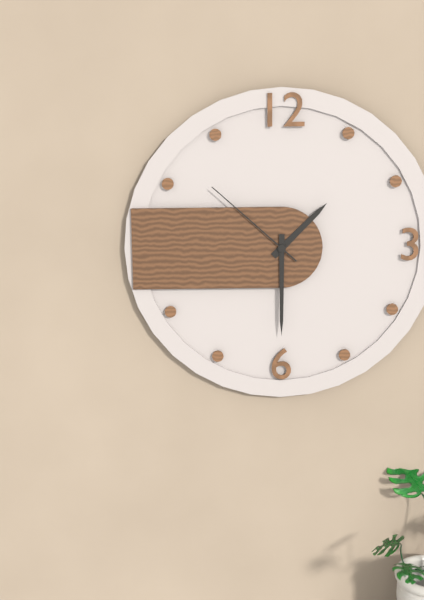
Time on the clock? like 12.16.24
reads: 1.30.52
